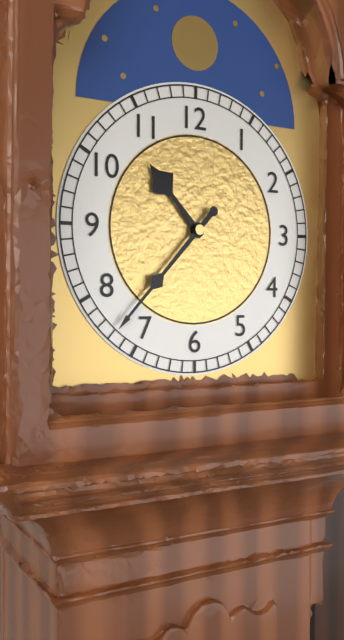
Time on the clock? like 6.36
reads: 10.37
